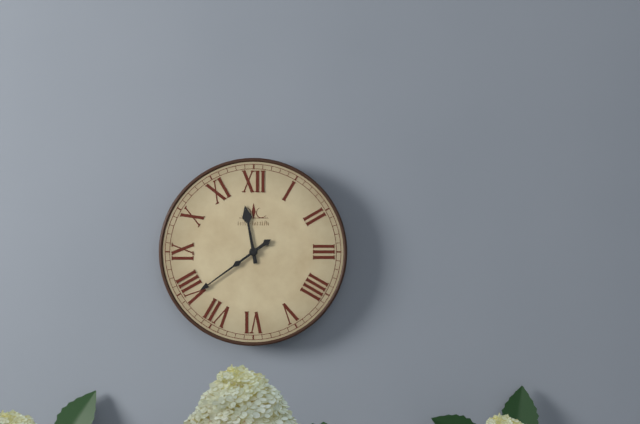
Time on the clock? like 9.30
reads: 11.39
